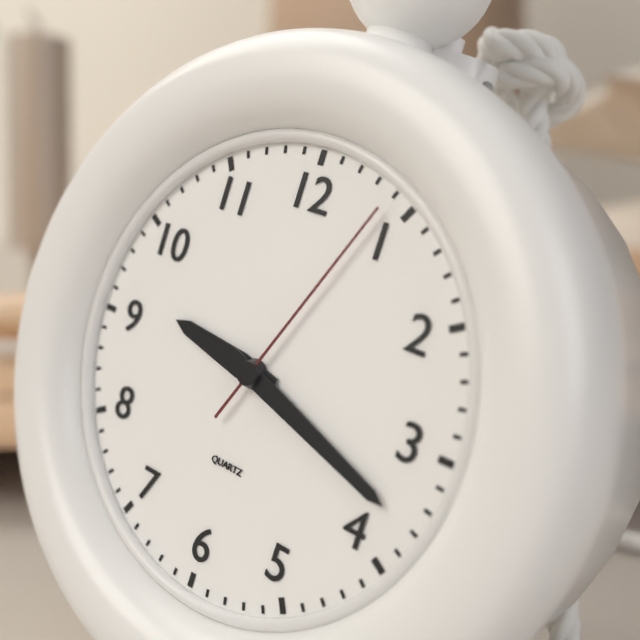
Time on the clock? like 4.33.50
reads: 9.18.04
